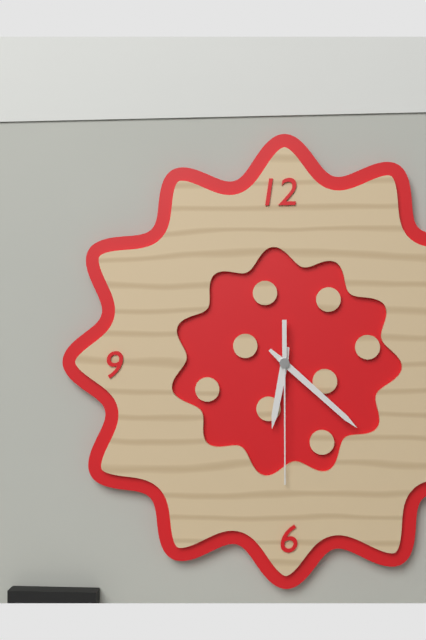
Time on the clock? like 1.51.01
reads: 6.22.30
